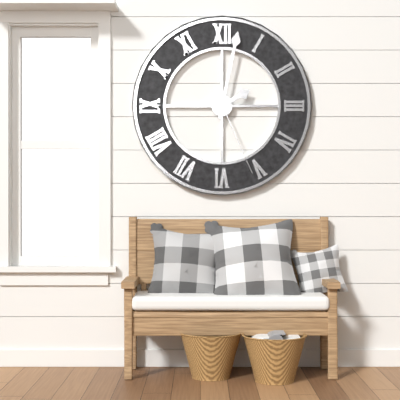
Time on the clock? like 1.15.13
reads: 2.02.26
